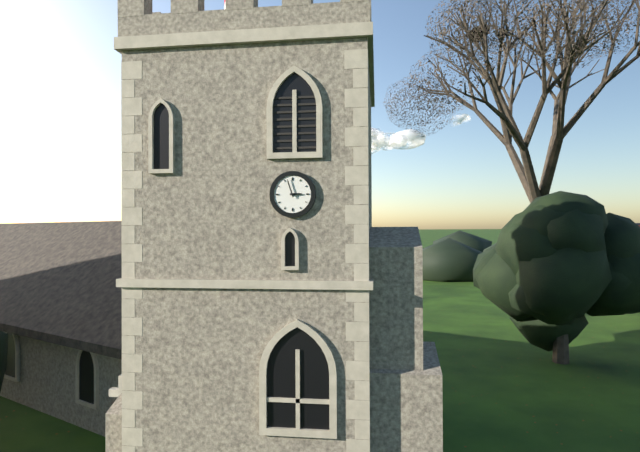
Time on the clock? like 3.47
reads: 2.57
